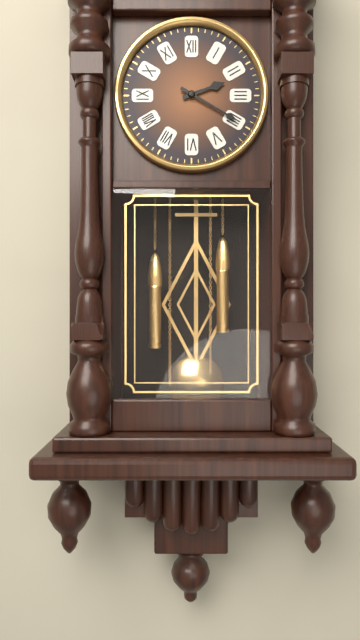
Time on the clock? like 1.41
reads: 2.20
